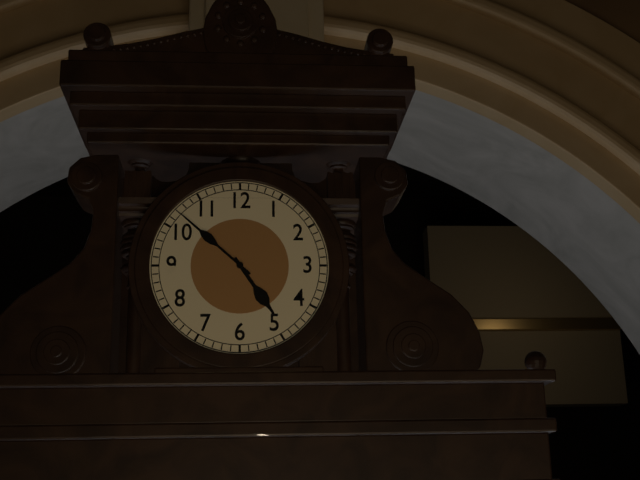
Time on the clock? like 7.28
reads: 4.52
